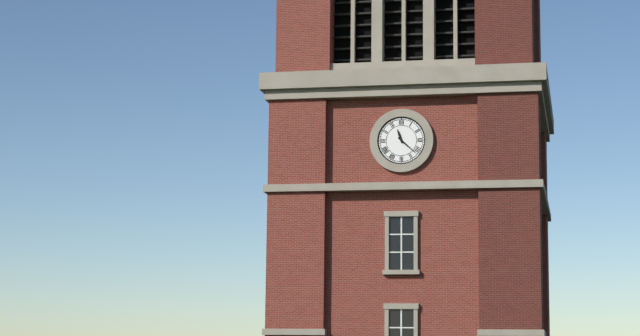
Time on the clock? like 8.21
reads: 11.22
